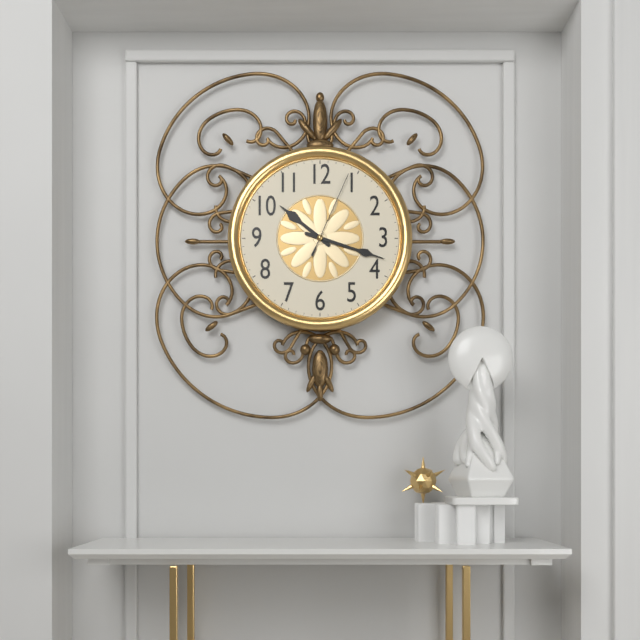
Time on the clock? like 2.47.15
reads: 10.18.04
